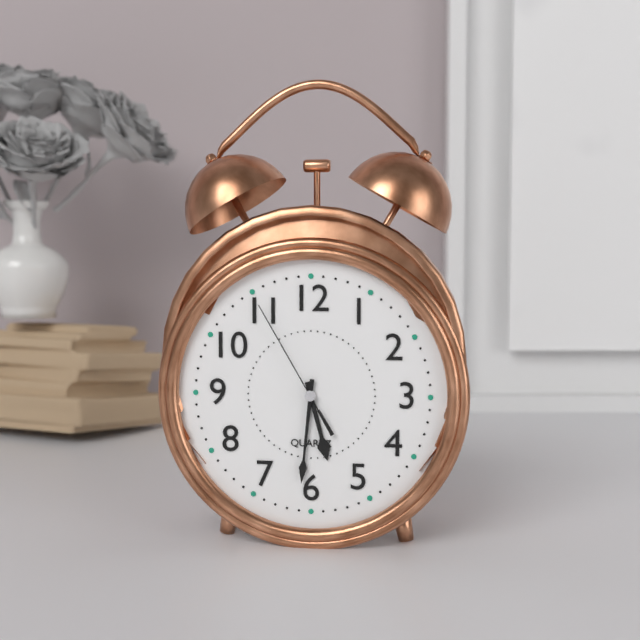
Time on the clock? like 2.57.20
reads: 5.31.55
